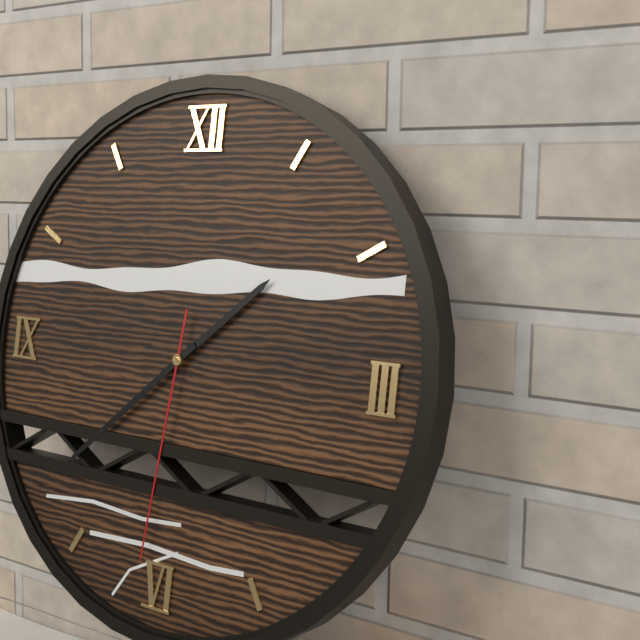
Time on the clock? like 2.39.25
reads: 1.38.31
